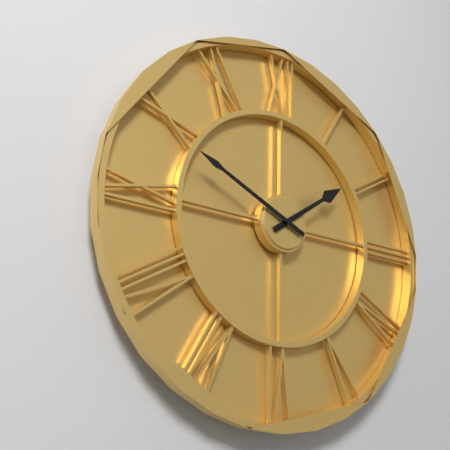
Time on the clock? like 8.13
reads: 1.49
